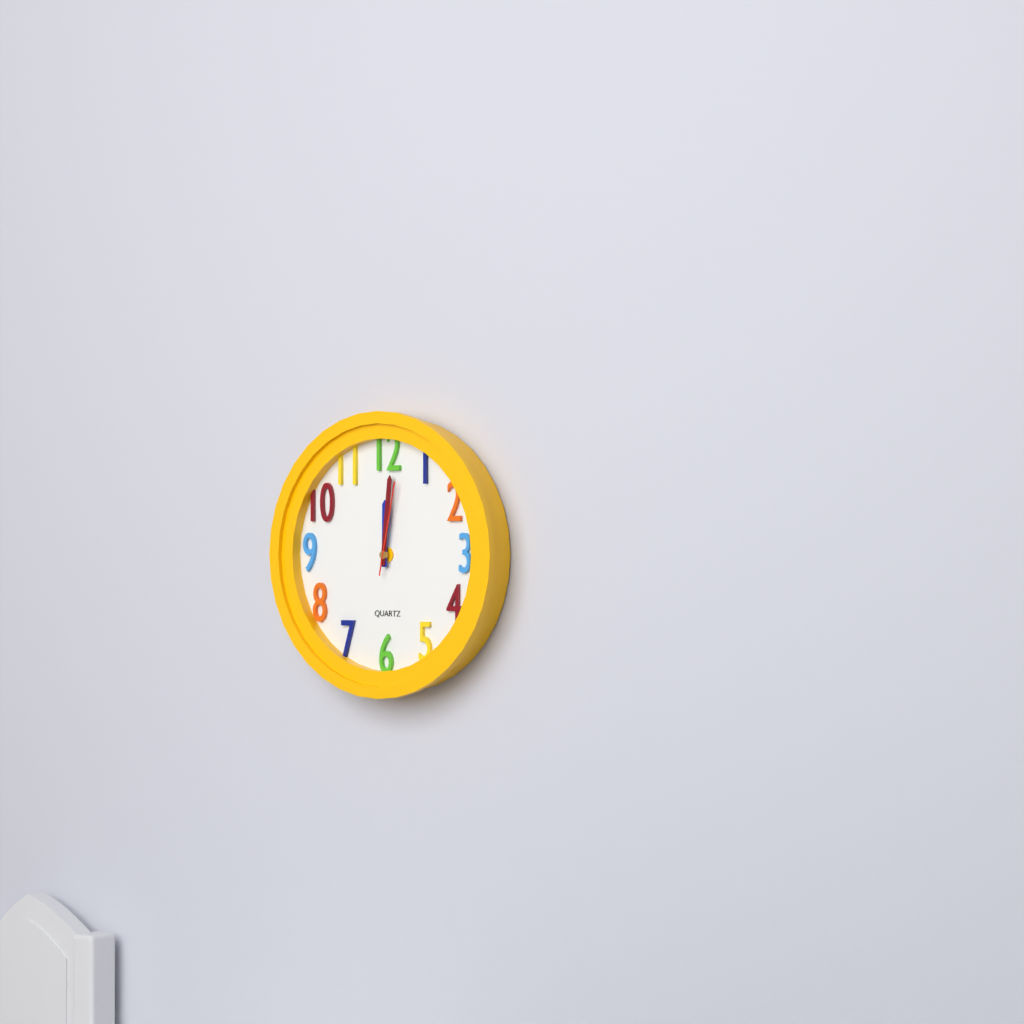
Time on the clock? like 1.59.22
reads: 12.01.02
